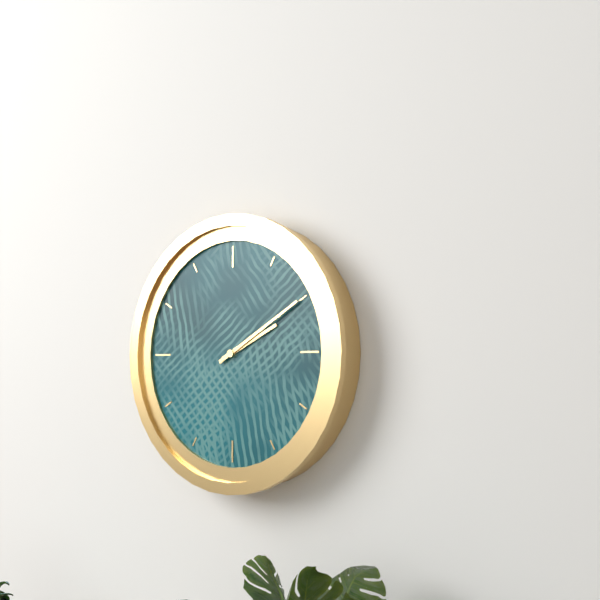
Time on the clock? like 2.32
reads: 2.10
